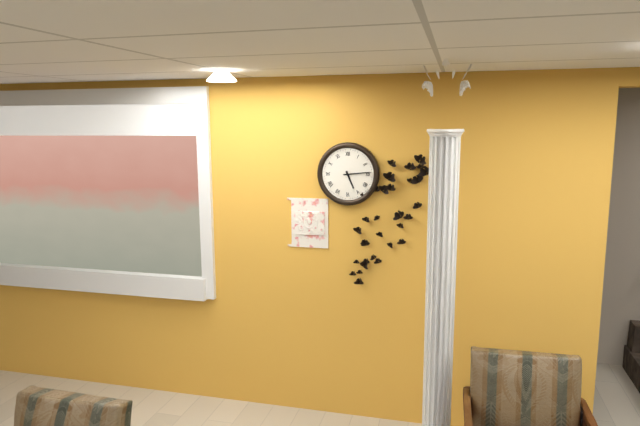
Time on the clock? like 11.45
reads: 5.14
